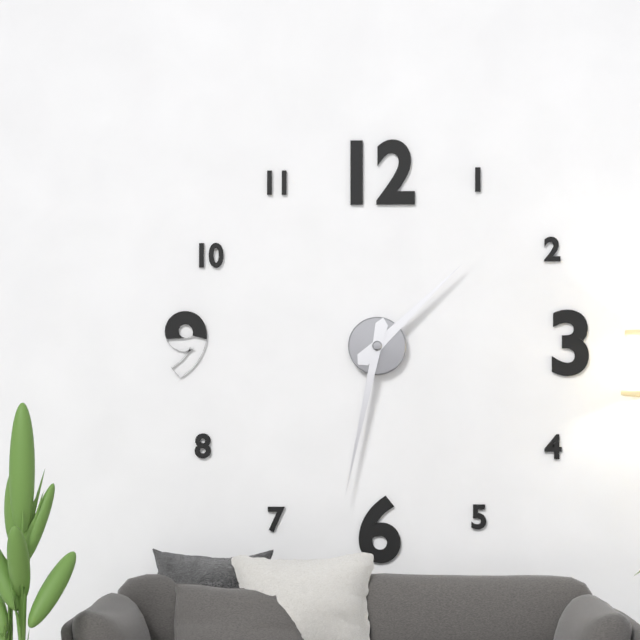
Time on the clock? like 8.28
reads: 1.32
